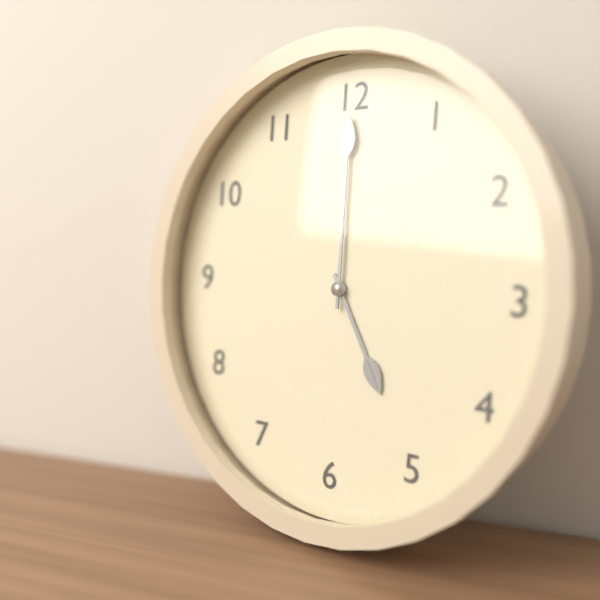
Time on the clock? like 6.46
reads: 5.00
